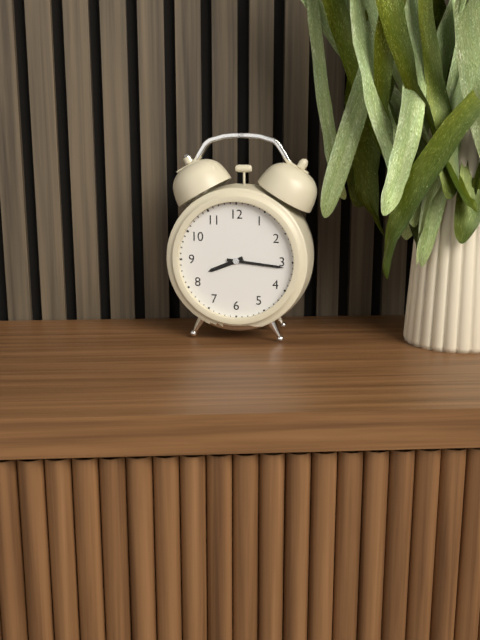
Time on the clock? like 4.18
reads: 8.16
